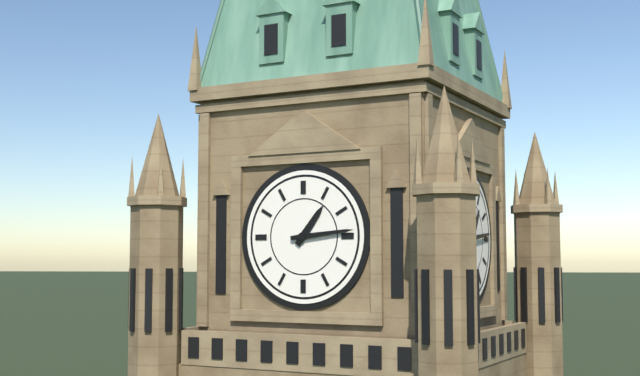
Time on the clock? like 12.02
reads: 1.14
